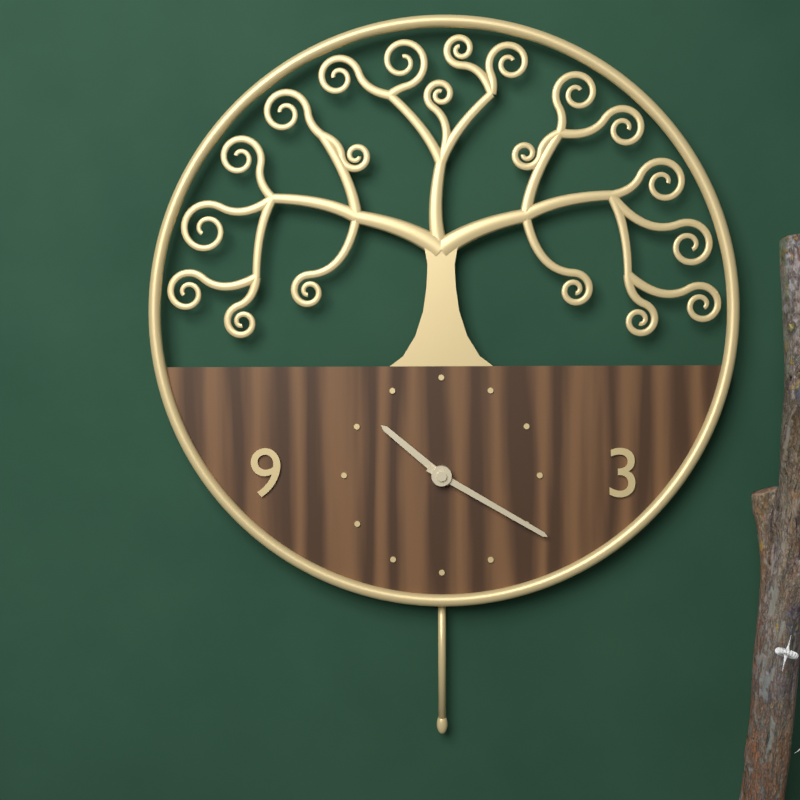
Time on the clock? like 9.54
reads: 10.20
